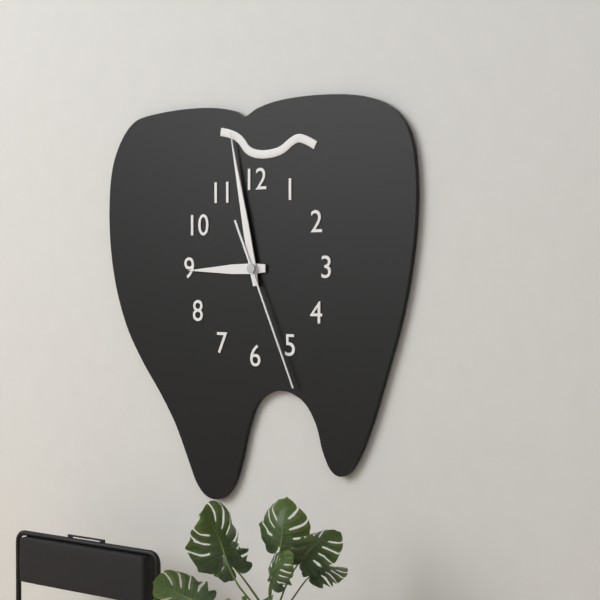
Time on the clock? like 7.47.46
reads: 8.58.26
